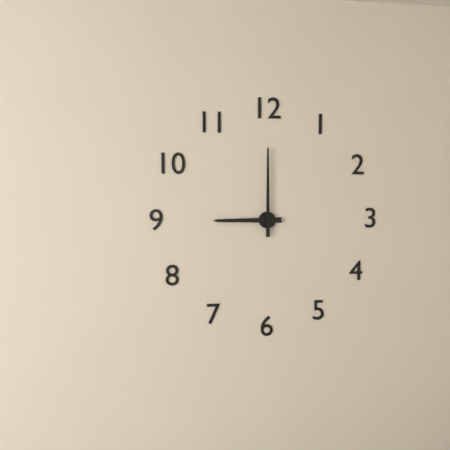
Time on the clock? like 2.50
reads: 9.00
